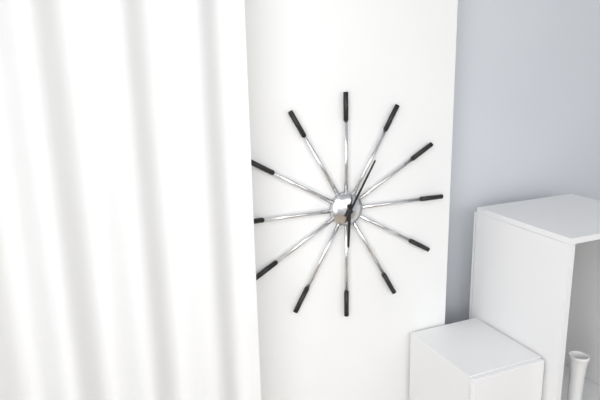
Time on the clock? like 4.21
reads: 6.05
